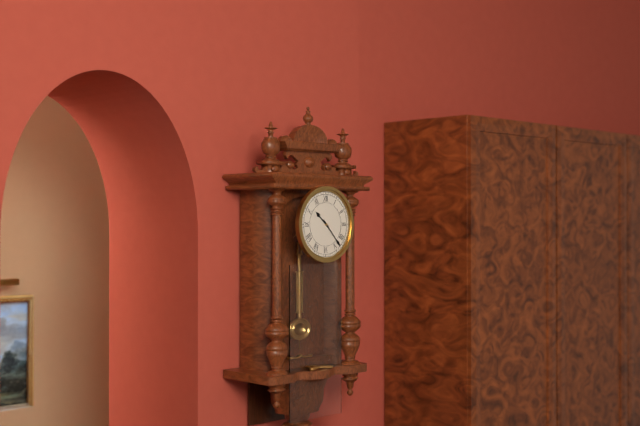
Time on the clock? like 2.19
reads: 10.23
